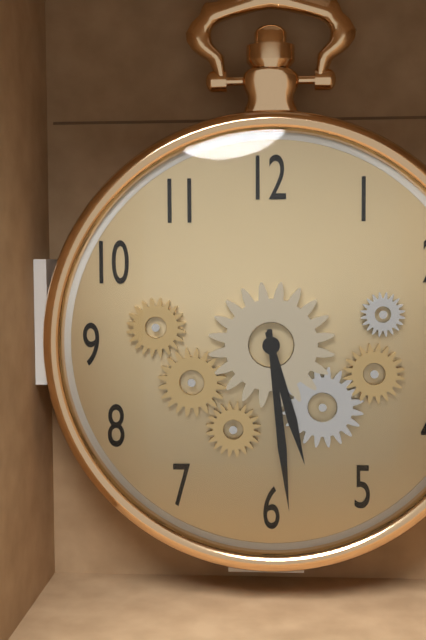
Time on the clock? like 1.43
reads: 5.29
